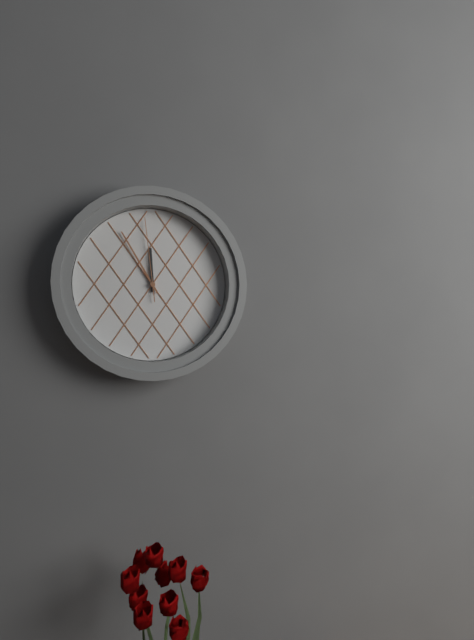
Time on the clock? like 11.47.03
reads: 11.55.59
